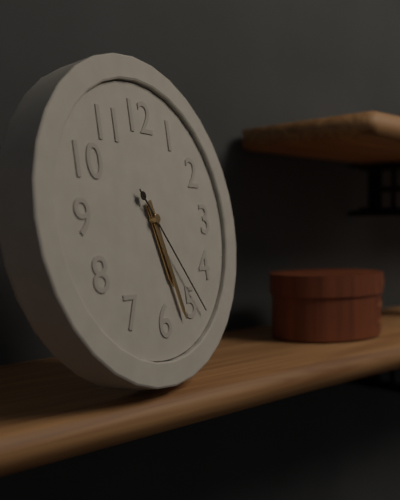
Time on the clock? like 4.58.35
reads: 5.27.24
